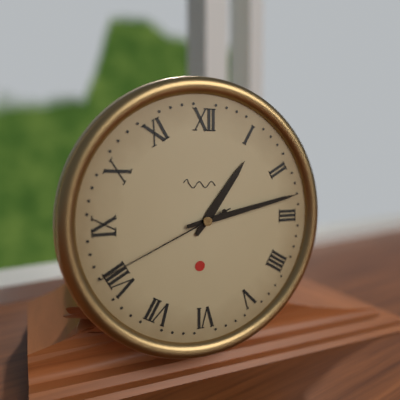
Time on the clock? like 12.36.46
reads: 1.13.41
